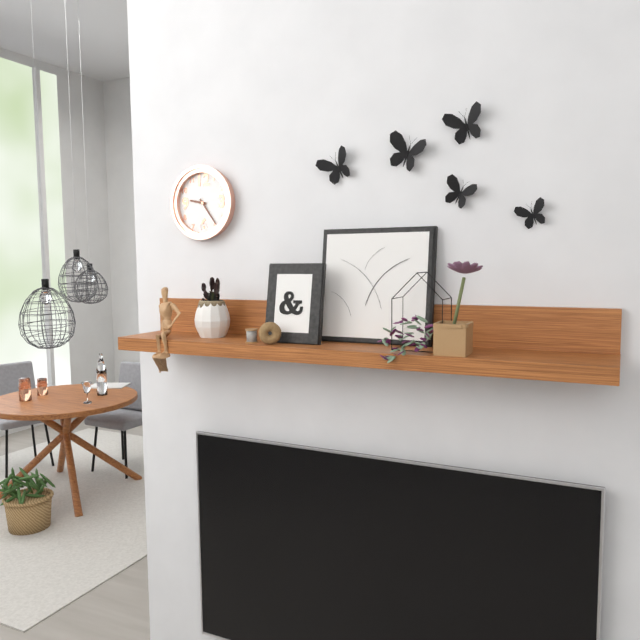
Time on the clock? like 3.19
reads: 9.24
